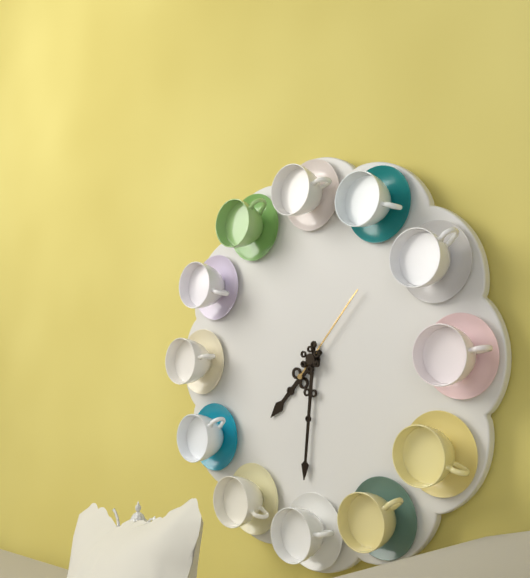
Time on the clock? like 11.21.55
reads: 7.31.07
